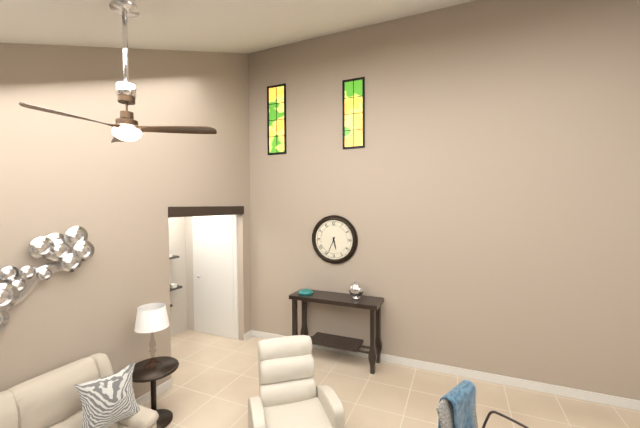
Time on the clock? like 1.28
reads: 5.34
